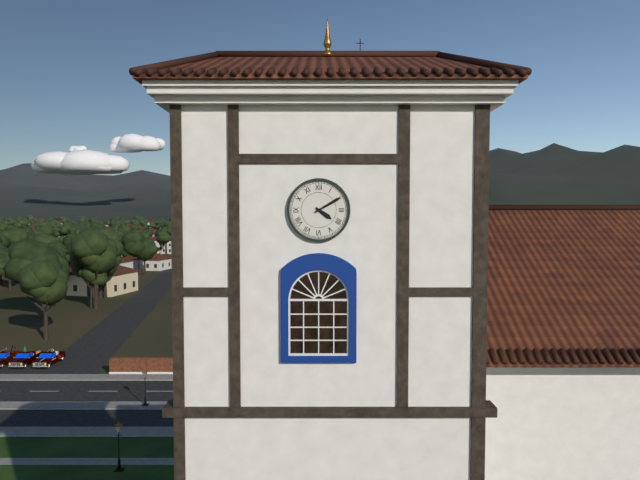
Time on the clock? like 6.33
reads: 4.10
